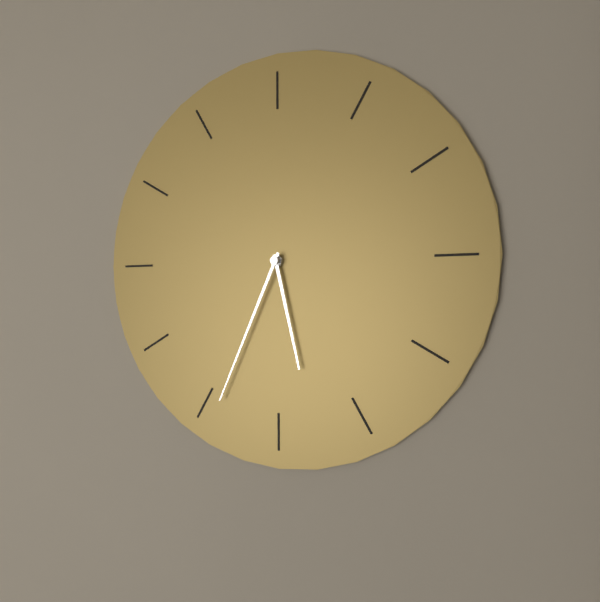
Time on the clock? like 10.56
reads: 5.34
